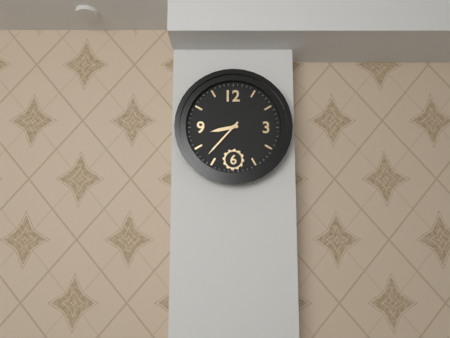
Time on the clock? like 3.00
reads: 8.37
